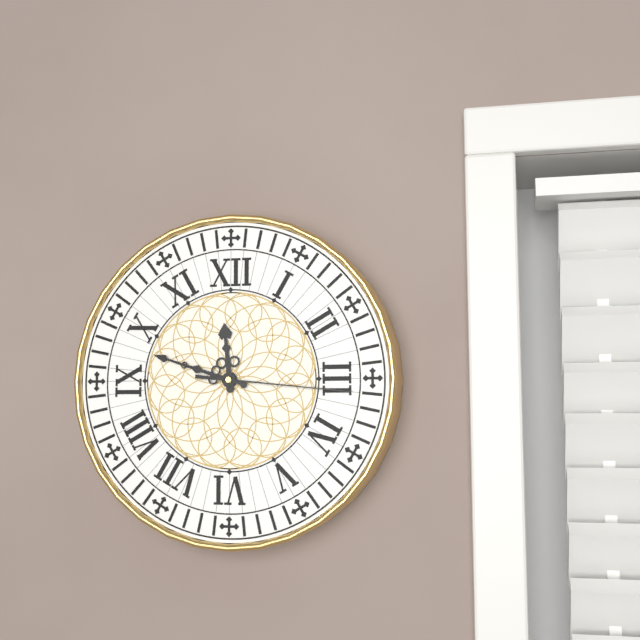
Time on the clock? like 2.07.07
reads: 11.48.16
